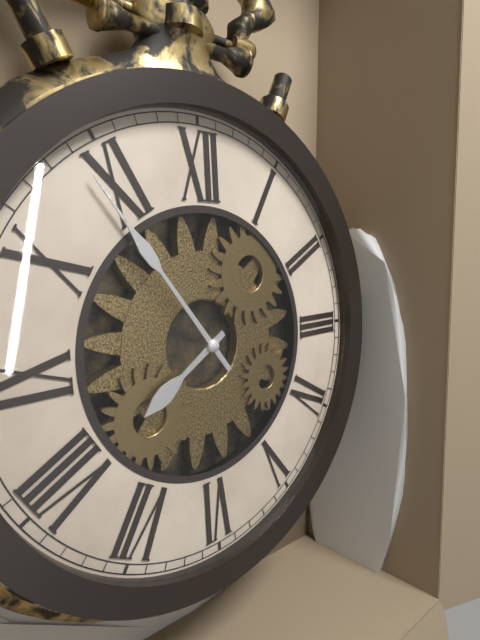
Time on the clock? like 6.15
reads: 7.54
